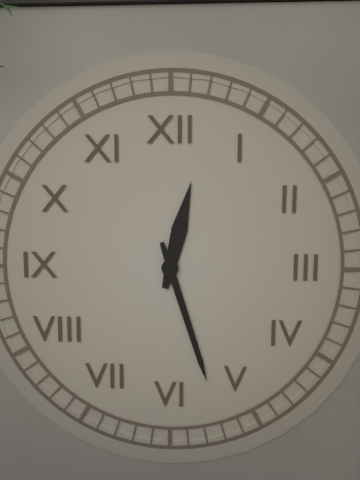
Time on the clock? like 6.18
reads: 12.27
